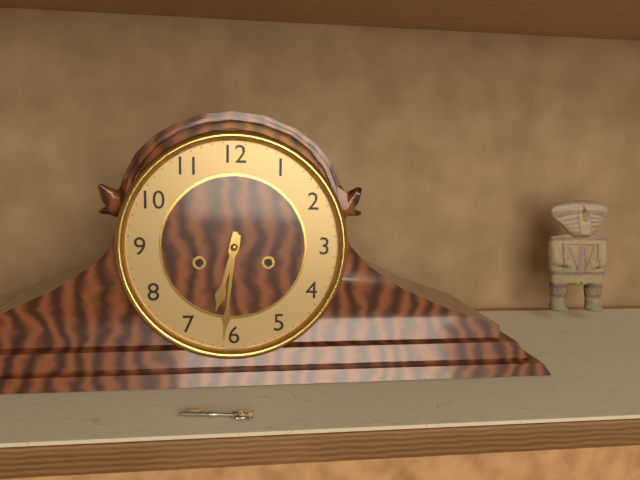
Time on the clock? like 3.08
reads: 6.31
